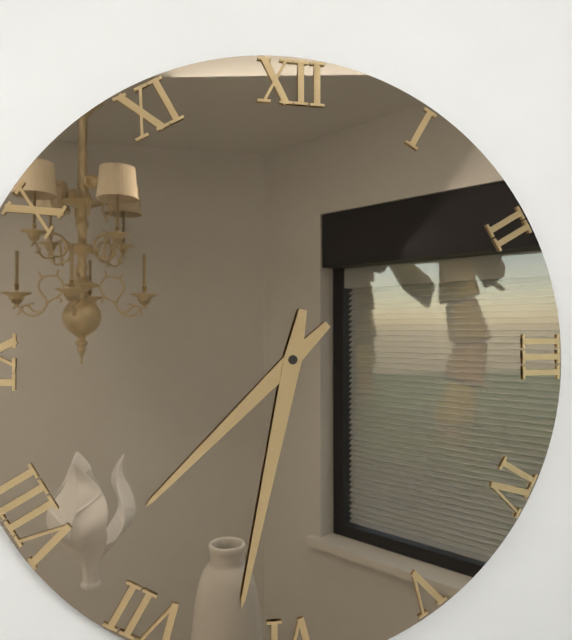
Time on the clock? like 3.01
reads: 7.32
